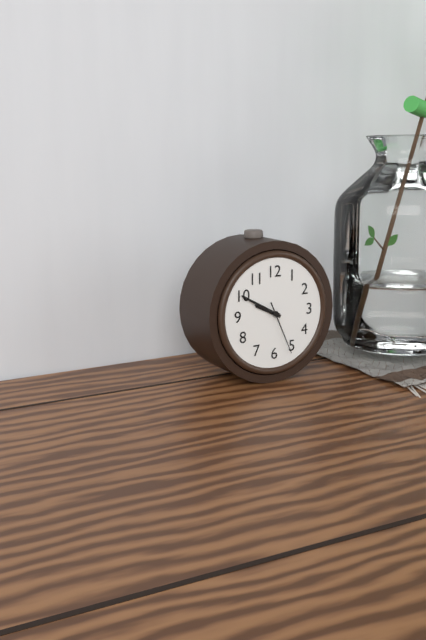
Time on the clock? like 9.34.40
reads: 9.50.26
